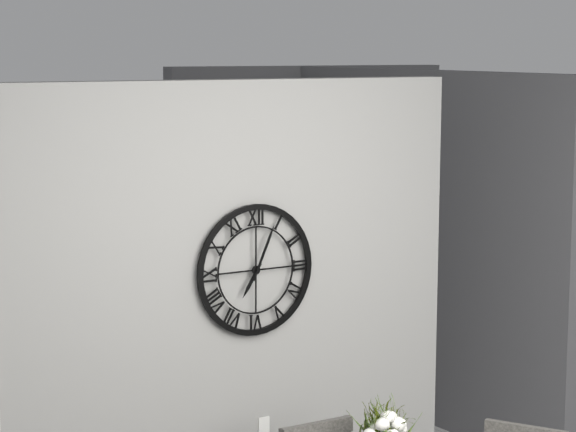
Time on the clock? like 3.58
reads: 7.04
